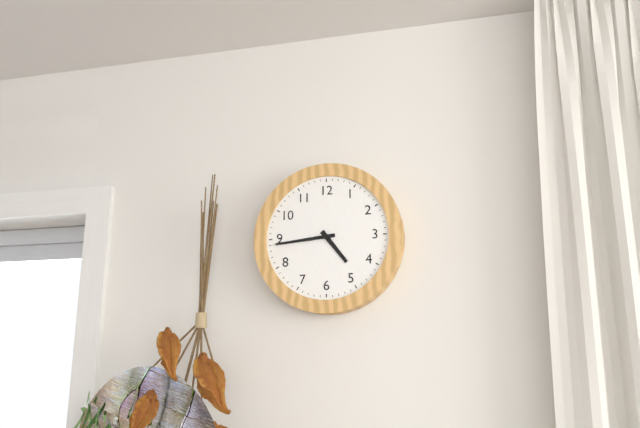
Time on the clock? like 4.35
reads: 4.44
